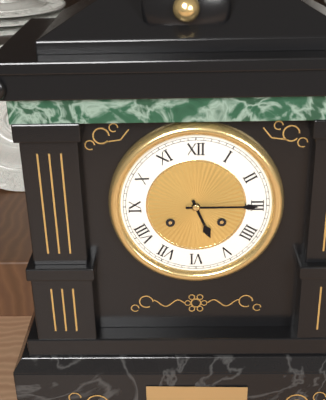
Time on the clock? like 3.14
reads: 5.15
